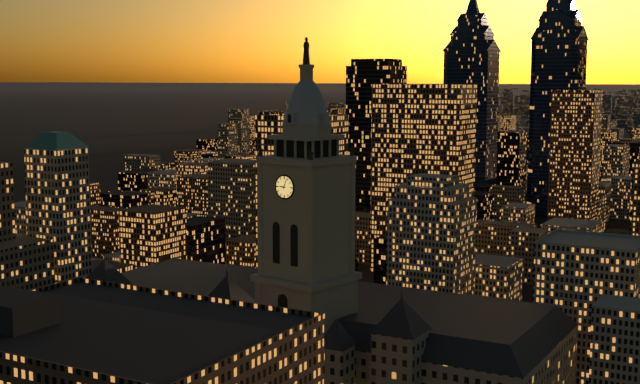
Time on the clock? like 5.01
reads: 9.04
